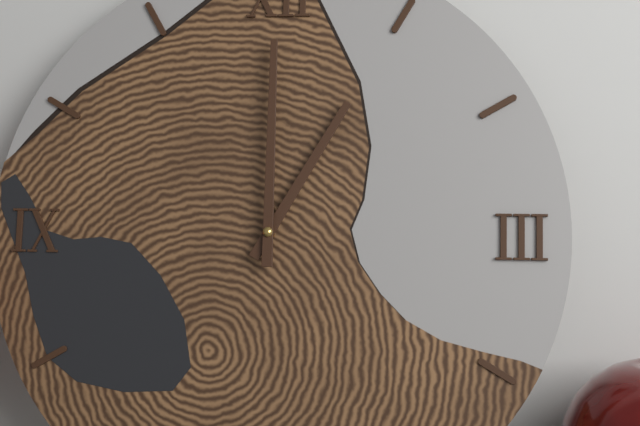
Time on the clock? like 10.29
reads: 1.00
